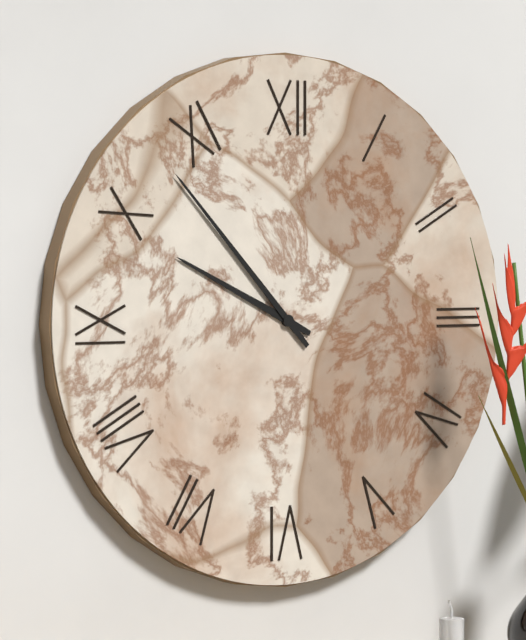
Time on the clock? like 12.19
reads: 9.53
